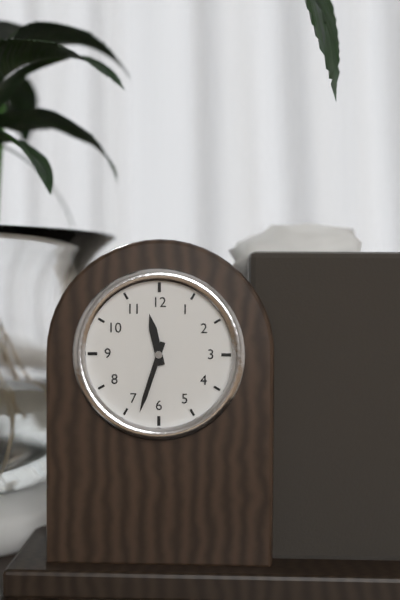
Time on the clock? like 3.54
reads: 11.33
